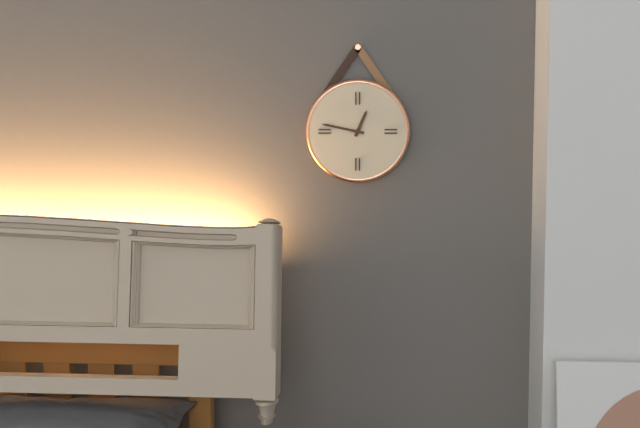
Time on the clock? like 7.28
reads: 12.47
